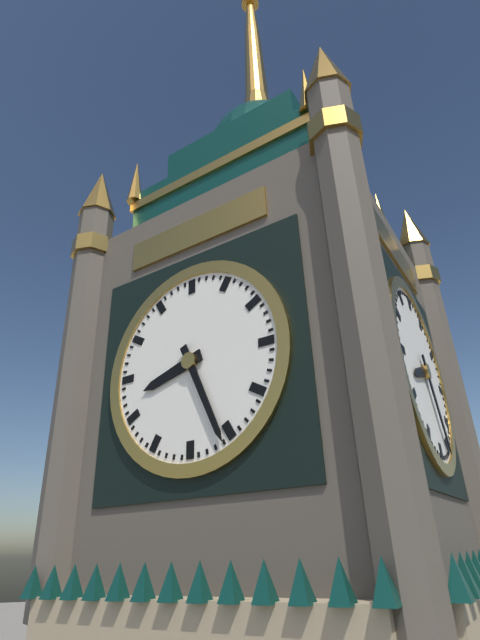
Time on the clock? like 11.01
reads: 8.26
